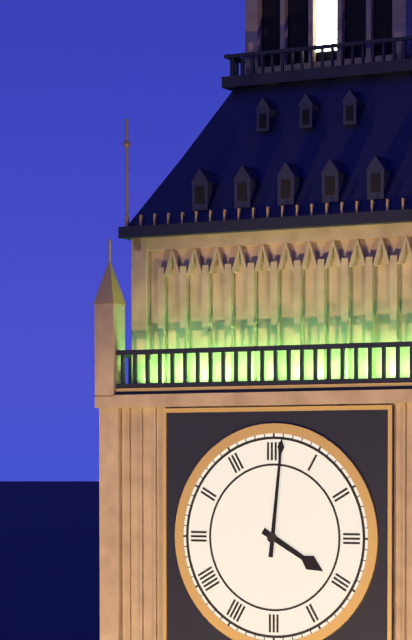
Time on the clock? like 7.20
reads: 4.01
